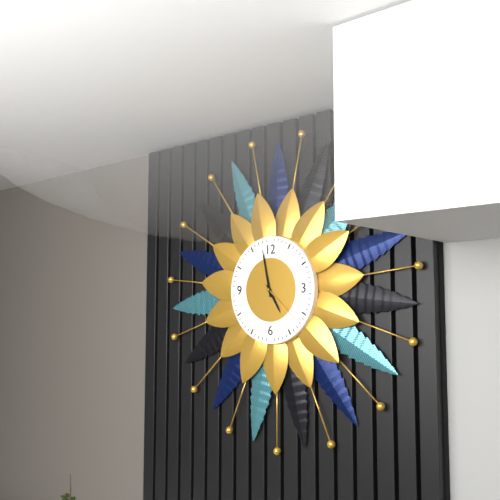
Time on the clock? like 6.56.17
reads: 4.58.22
